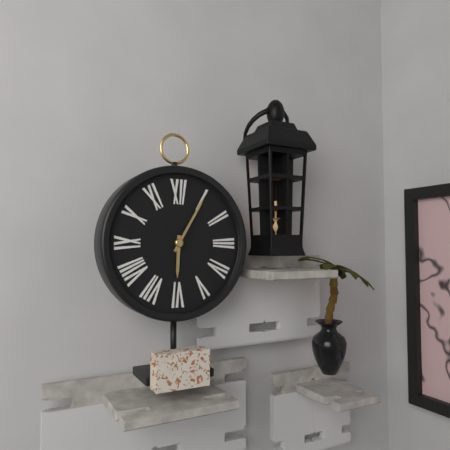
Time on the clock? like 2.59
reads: 6.05
